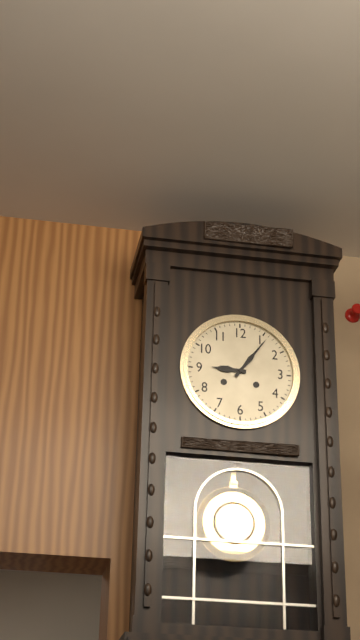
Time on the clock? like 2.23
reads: 9.06
